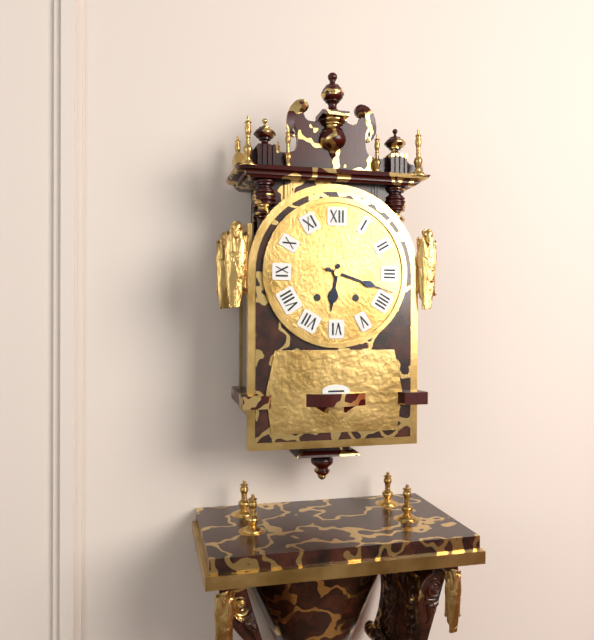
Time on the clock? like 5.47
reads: 6.18
